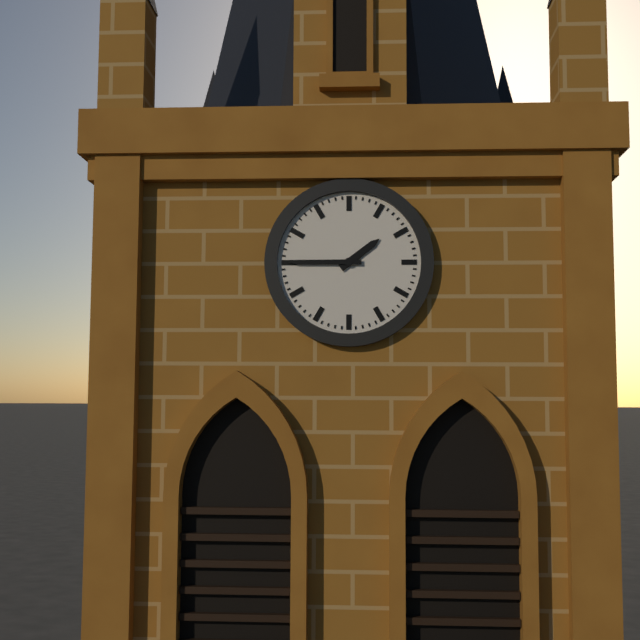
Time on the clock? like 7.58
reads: 1.45
